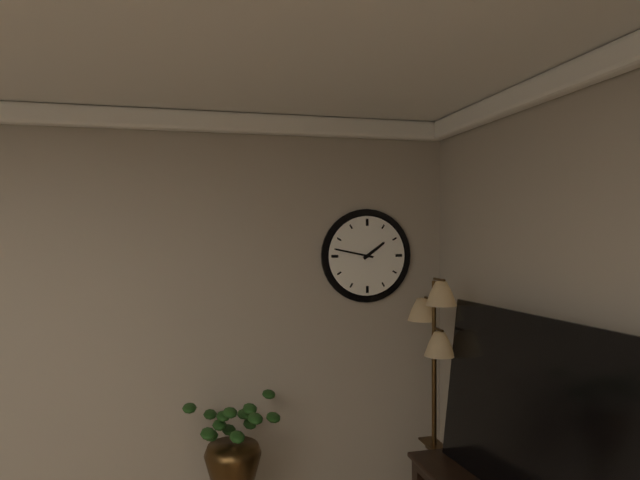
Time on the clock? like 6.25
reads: 1.47
